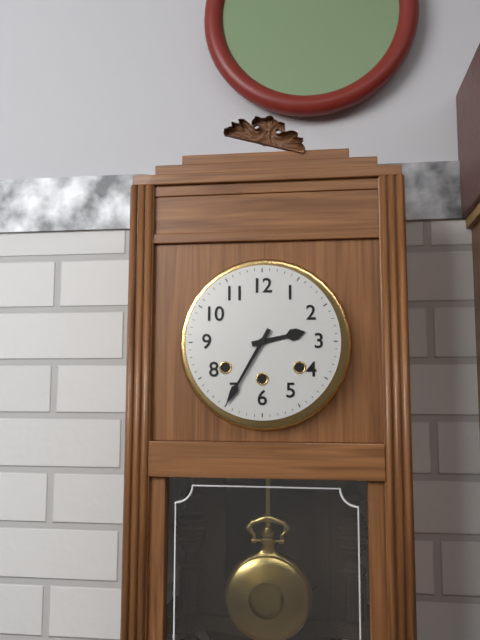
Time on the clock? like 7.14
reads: 2.35
